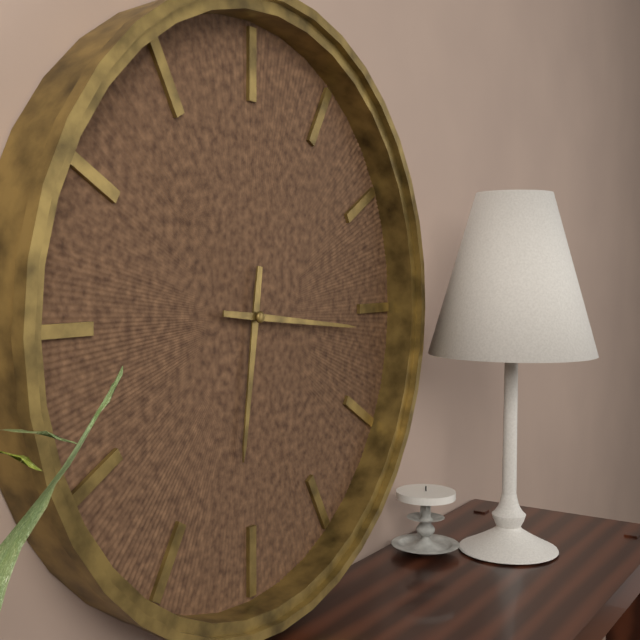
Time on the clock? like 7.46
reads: 6.16
